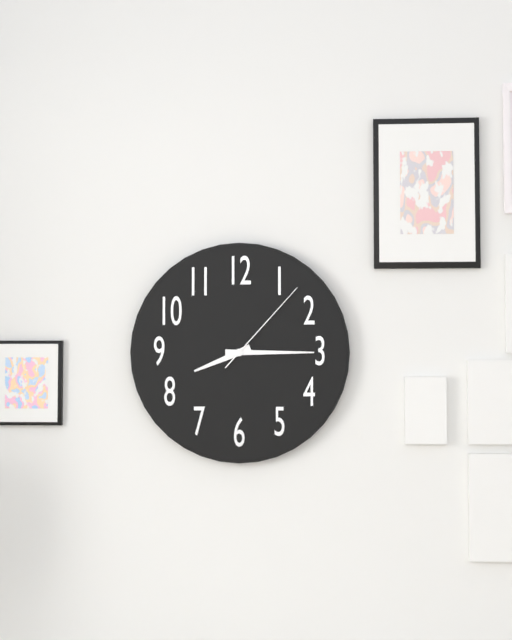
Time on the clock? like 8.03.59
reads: 8.15.07
